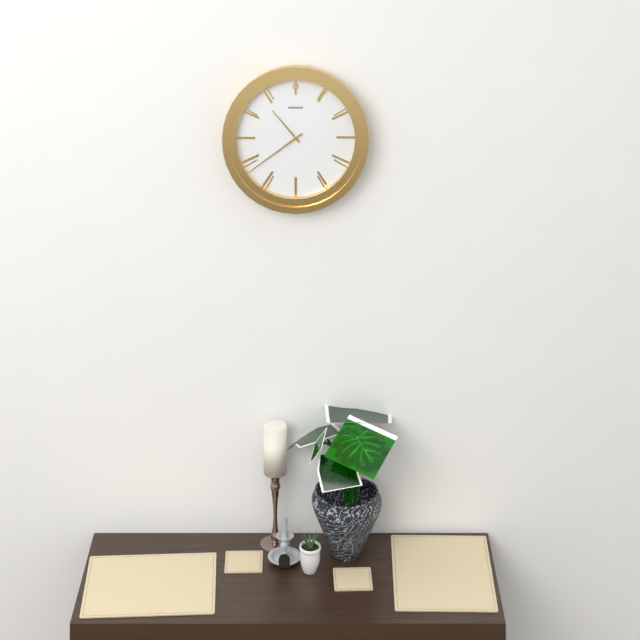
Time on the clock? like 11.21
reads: 10.39
